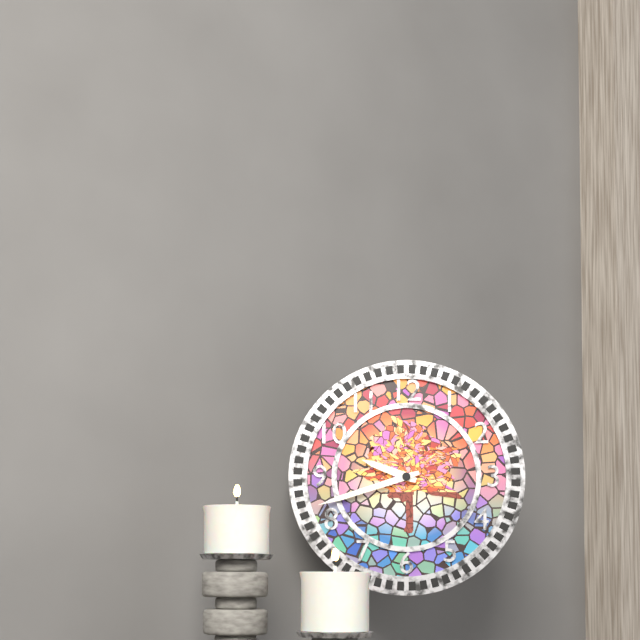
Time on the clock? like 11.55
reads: 9.42
